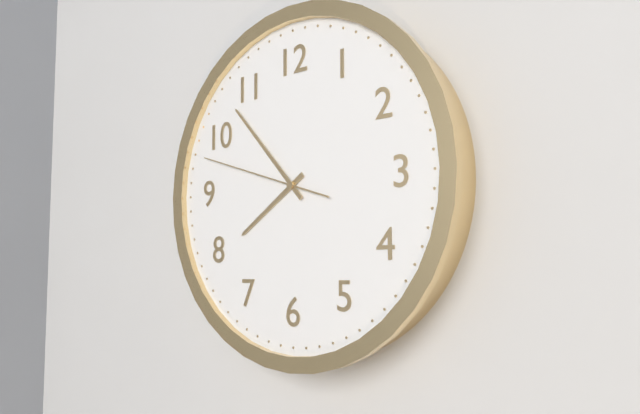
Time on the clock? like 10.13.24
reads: 7.53.48
